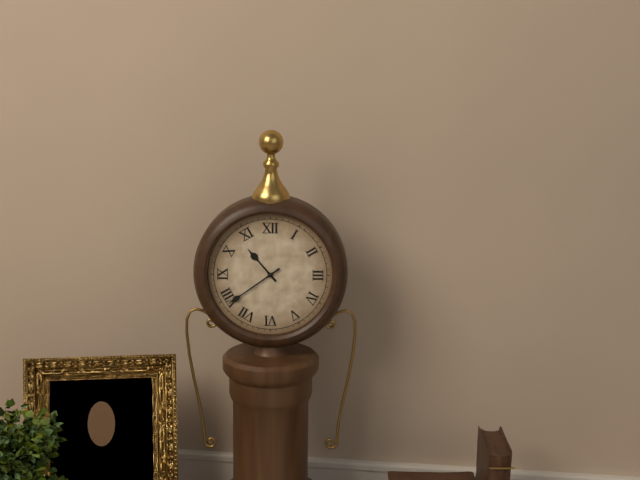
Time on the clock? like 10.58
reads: 10.39
